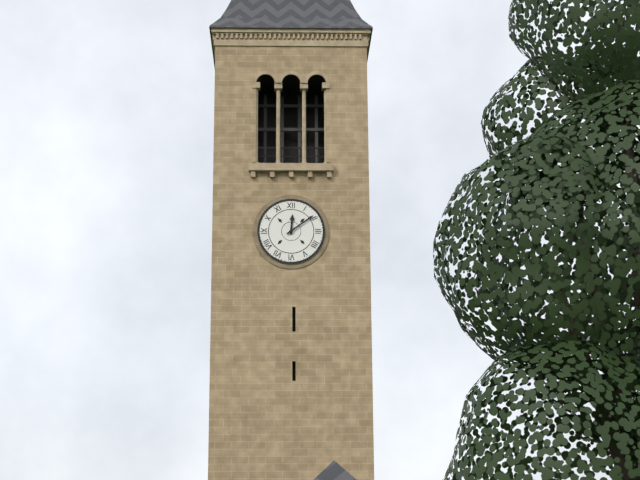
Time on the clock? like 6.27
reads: 12.09
